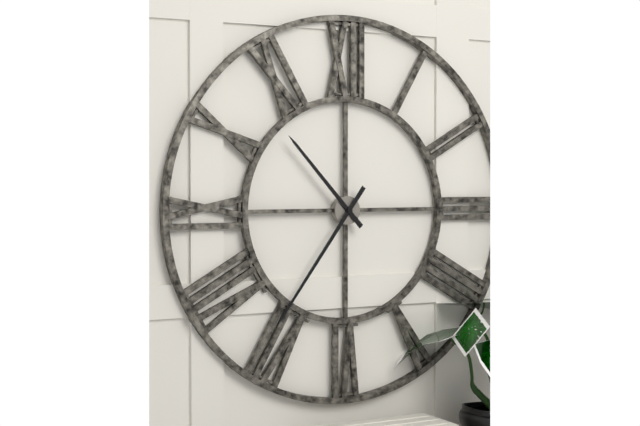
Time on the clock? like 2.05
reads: 10.36
